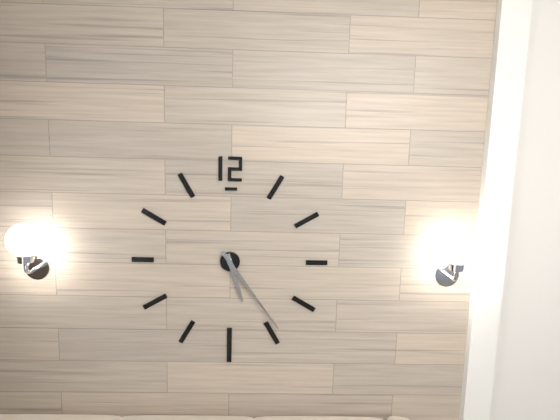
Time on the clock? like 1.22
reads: 5.24
